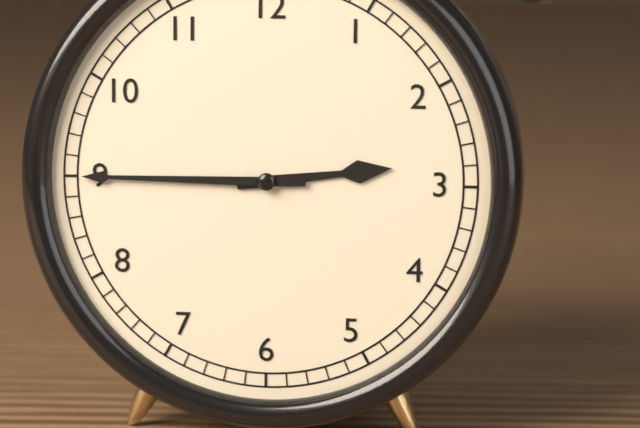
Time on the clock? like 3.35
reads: 2.45
